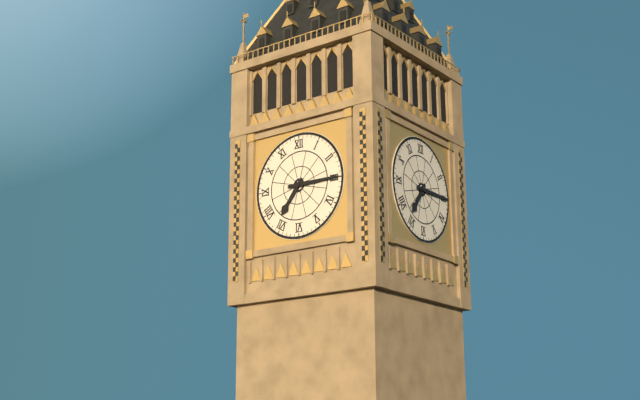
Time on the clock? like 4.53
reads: 7.15
